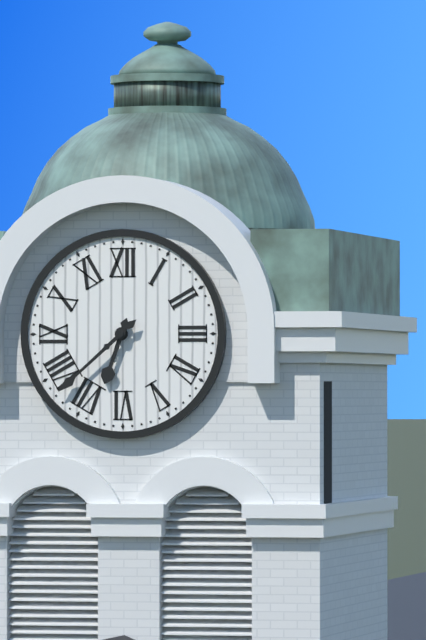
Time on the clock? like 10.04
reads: 6.38
